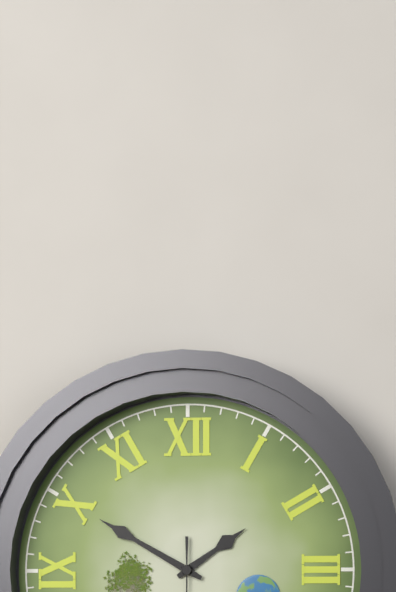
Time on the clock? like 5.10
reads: 1.50
